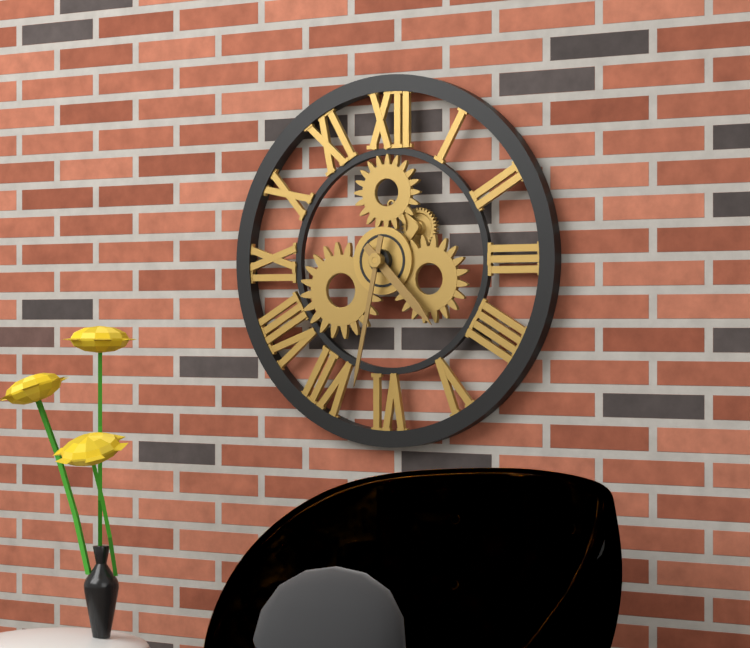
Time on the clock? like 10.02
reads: 4.32
